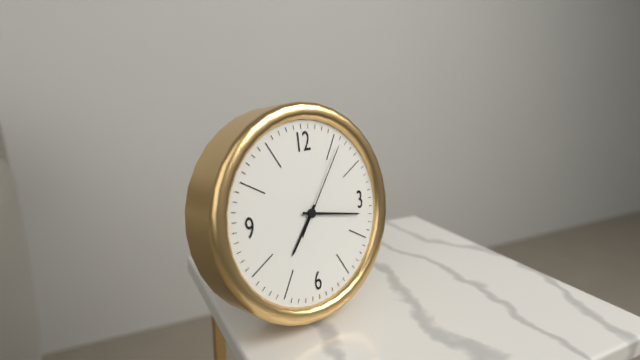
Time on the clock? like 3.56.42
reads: 7.17.06
